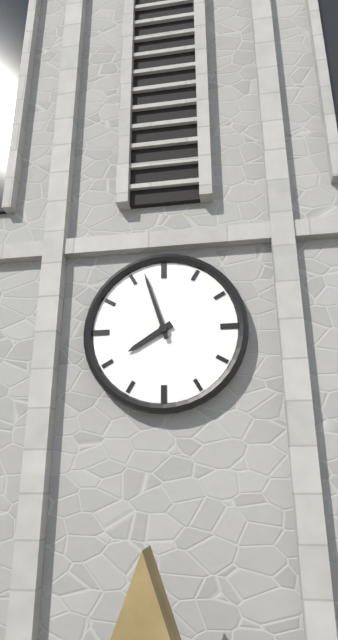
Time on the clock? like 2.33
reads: 7.57
